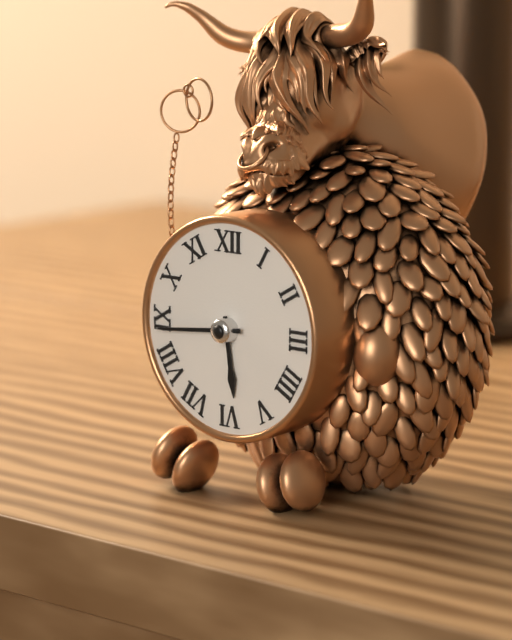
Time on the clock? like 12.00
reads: 5.44
